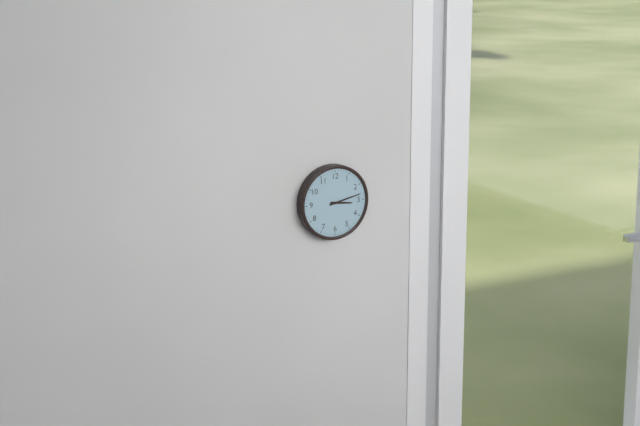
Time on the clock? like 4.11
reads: 3.13
